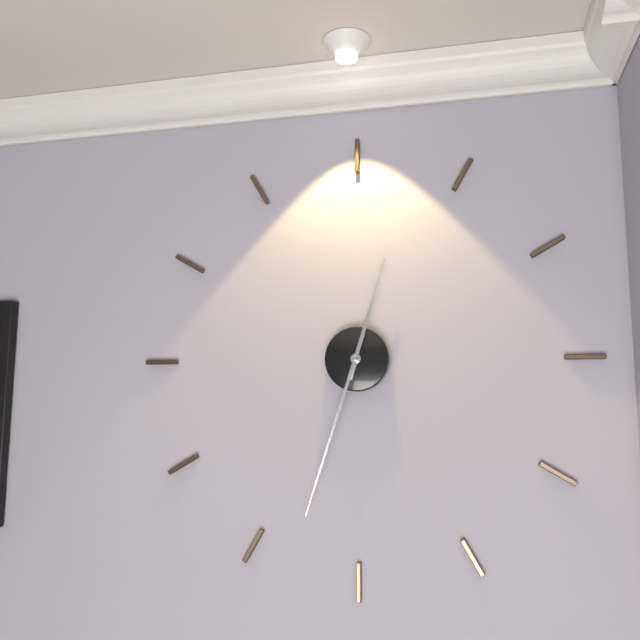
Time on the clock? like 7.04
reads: 12.33
